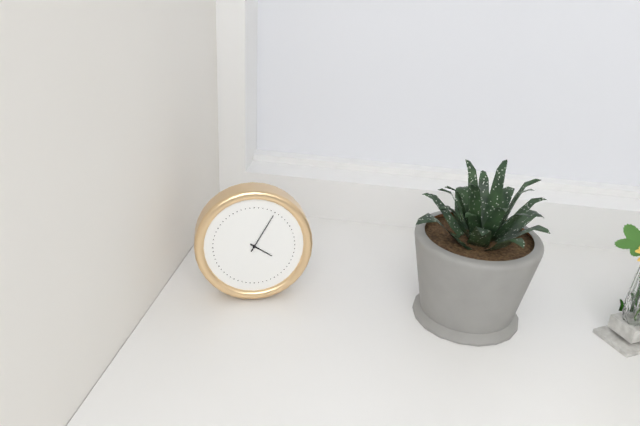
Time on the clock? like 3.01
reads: 4.05
